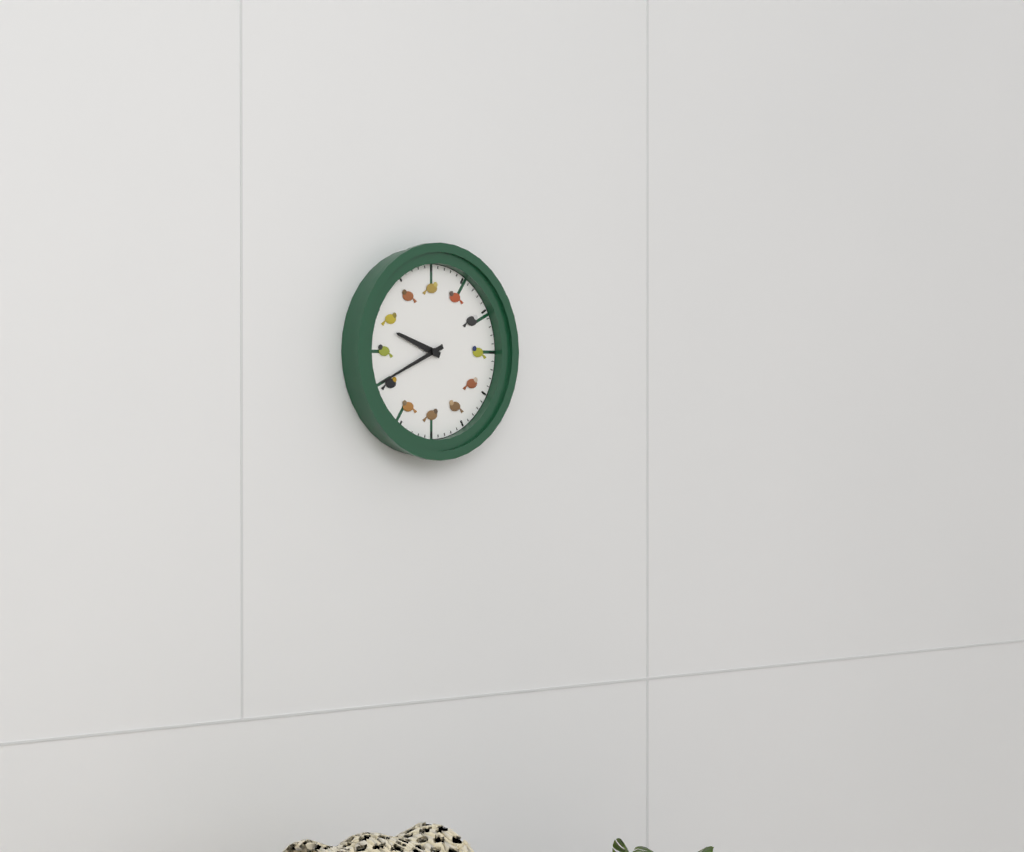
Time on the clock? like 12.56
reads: 9.41
